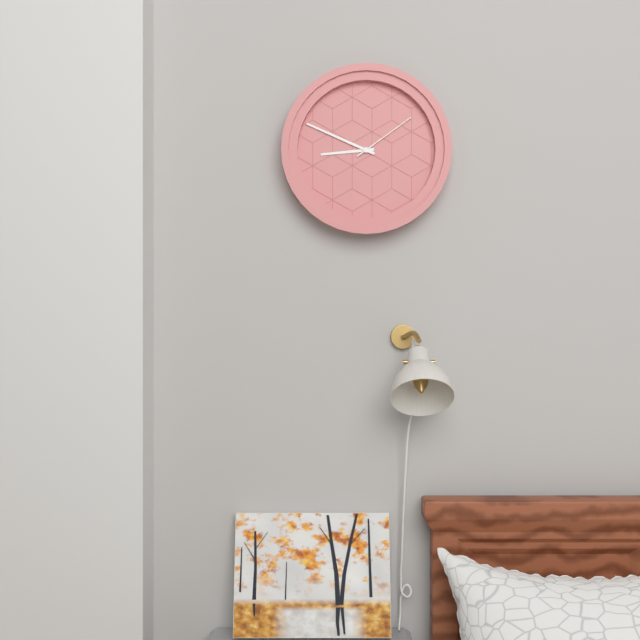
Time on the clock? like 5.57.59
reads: 8.49.09
